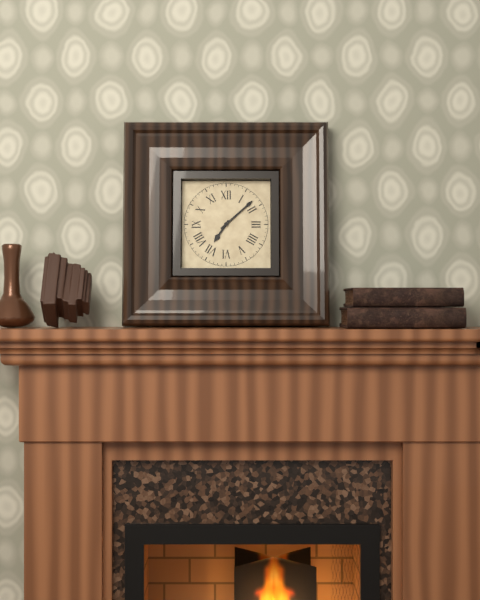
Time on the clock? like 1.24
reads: 7.08
